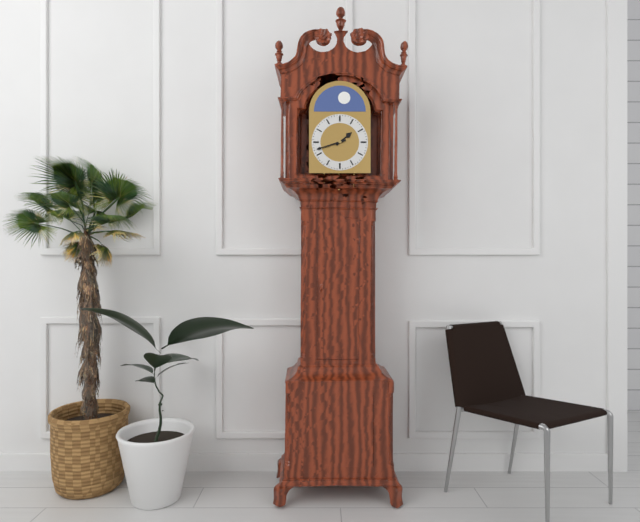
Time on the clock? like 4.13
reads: 1.42
